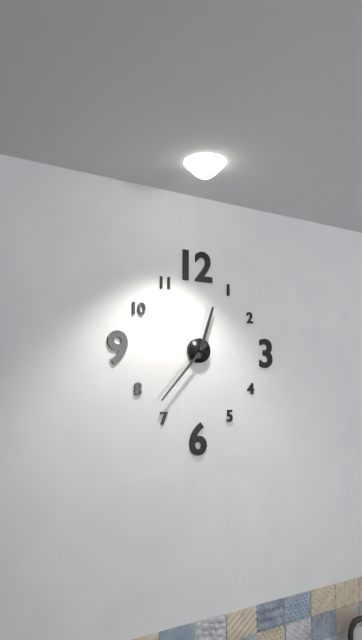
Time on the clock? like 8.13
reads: 12.37
